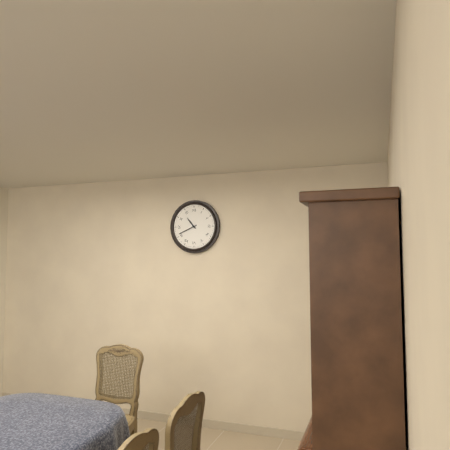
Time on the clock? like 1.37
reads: 10.41
